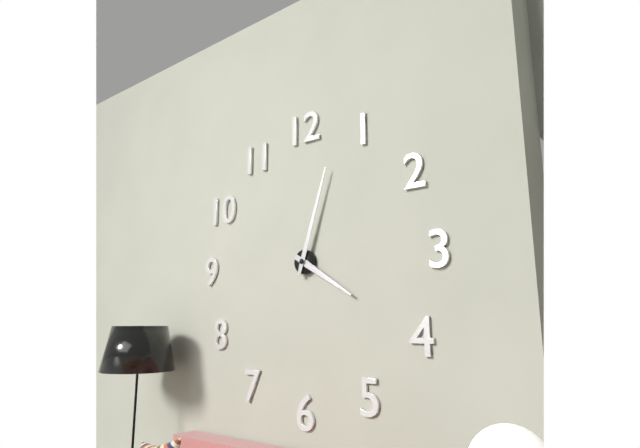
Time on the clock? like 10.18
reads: 4.03
